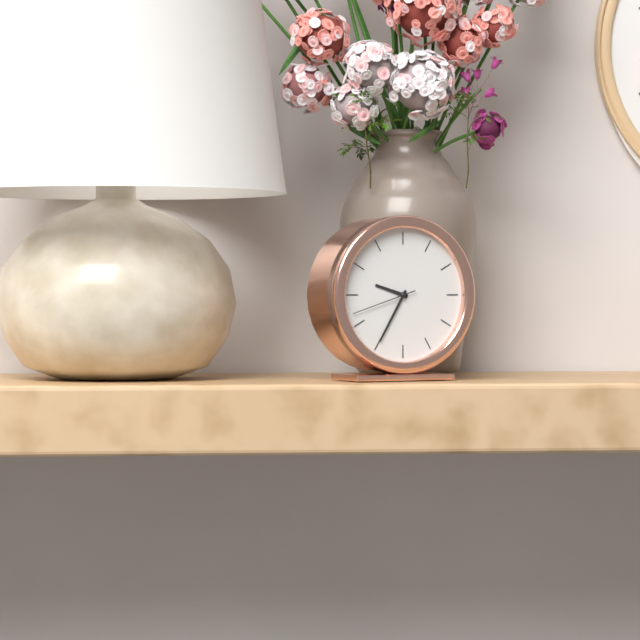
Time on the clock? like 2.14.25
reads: 9.35.42
